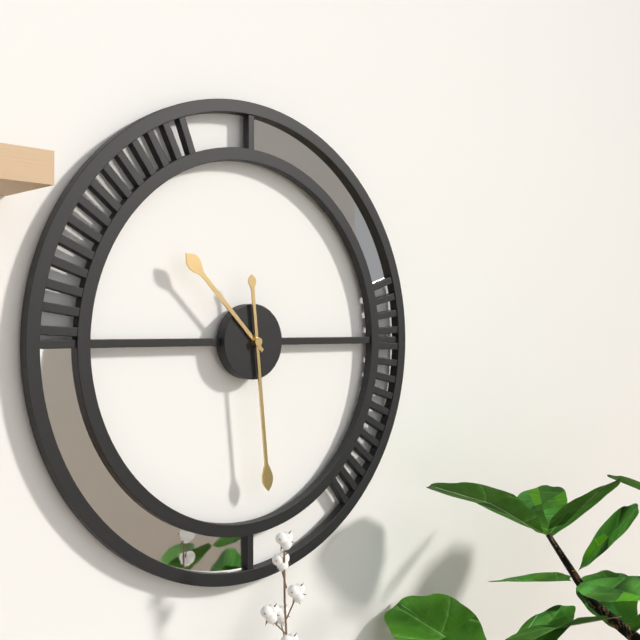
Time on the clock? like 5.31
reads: 10.29
